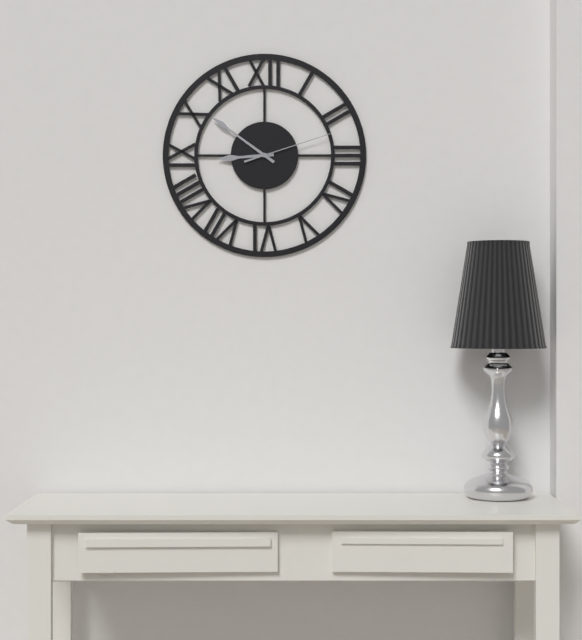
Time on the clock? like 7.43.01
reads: 8.51.12
